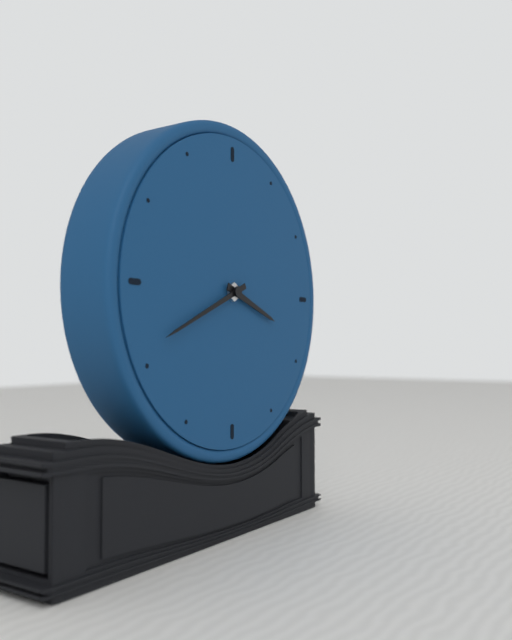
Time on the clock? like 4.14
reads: 3.41
